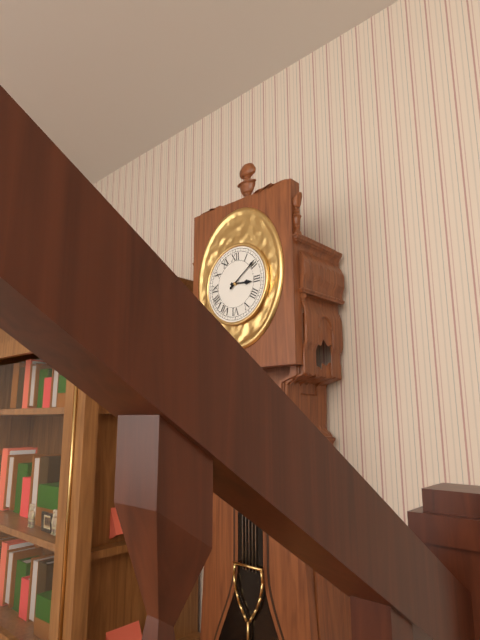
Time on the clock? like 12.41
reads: 3.09
